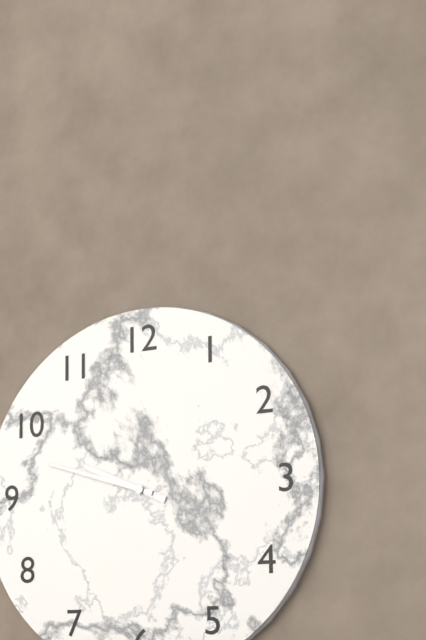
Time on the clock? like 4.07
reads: 9.48
